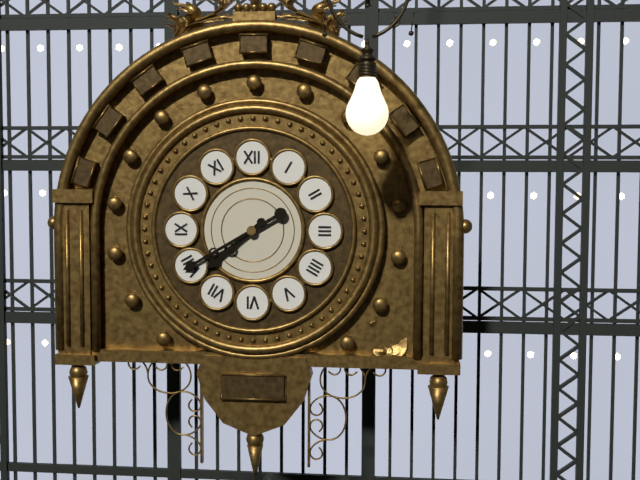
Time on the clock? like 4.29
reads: 7.40
